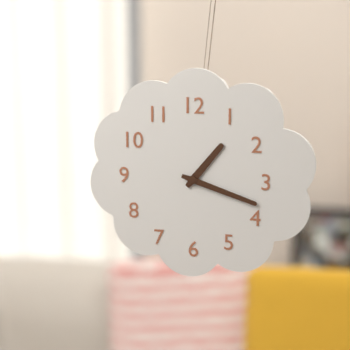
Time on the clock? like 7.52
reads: 1.18
